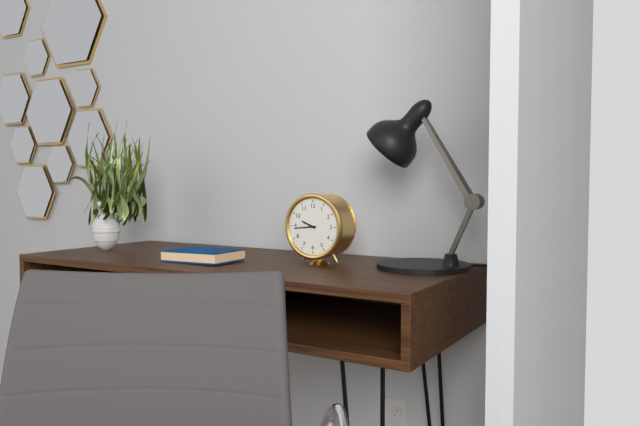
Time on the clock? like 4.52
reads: 9.44
